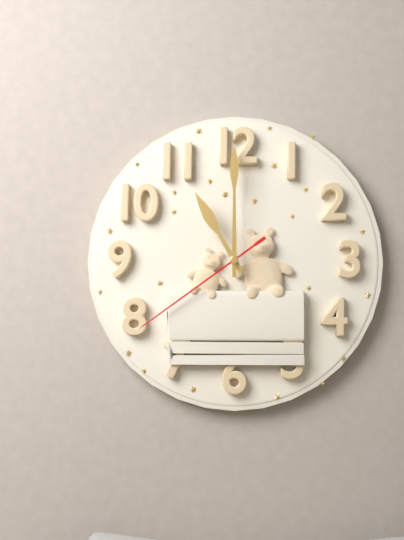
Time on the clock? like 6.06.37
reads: 11.00.39
